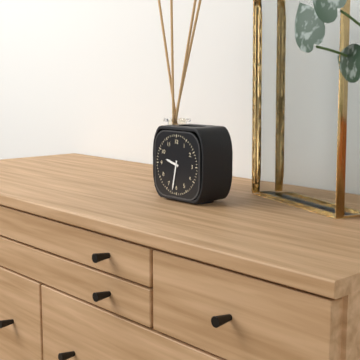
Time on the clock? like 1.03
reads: 9.32
